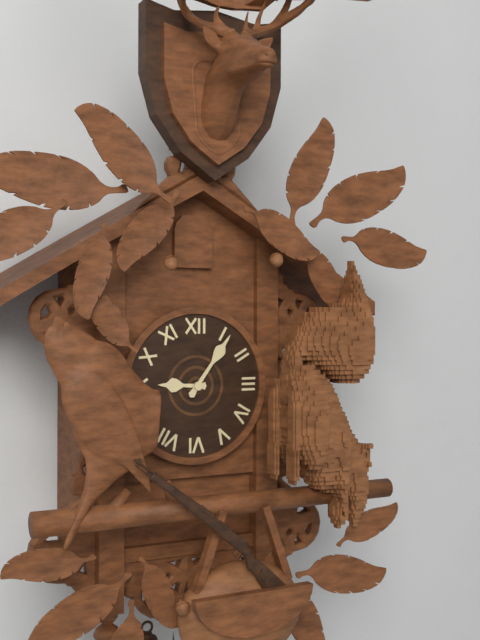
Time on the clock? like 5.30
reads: 9.06
